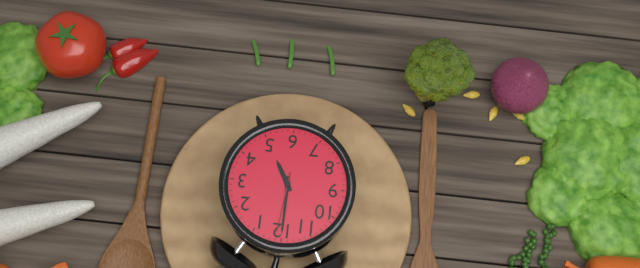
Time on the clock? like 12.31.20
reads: 5.00.01
